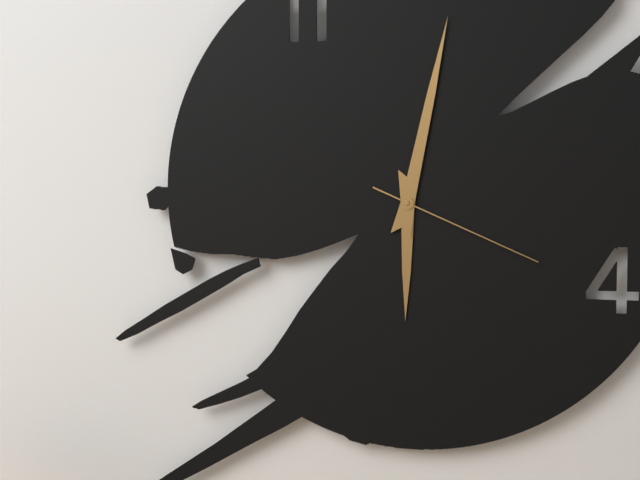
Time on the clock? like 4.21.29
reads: 6.02.19
